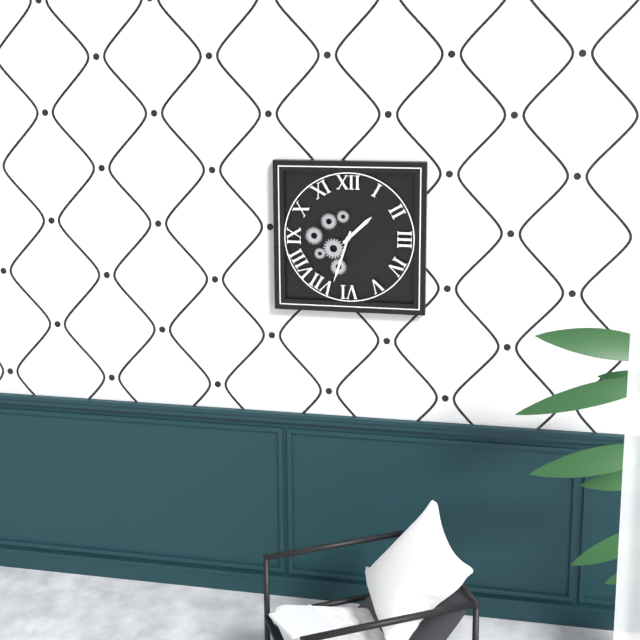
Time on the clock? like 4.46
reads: 1.33
